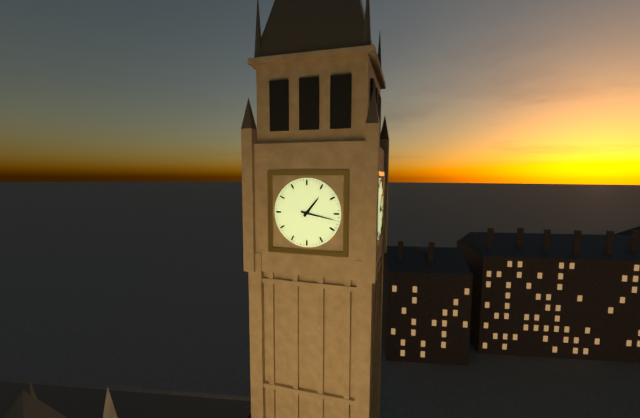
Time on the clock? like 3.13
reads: 1.17
